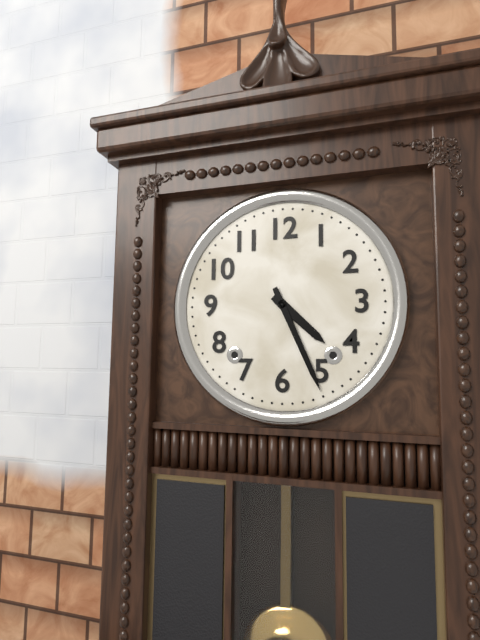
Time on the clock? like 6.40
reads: 4.26
